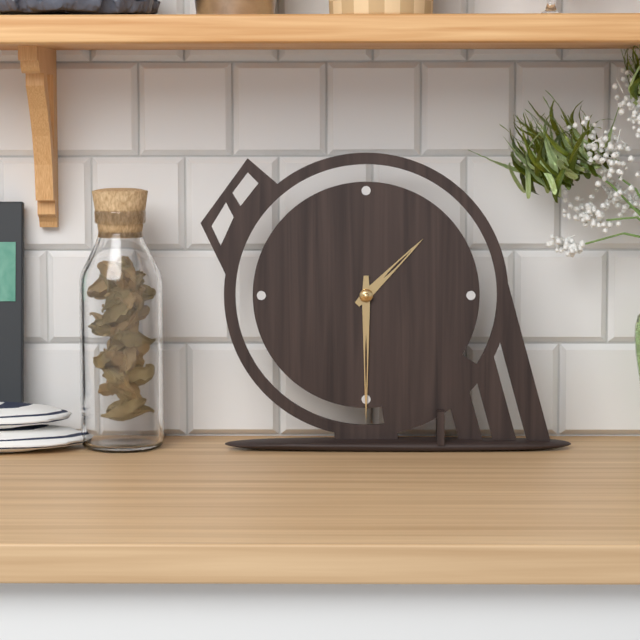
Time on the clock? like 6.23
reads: 1.30
